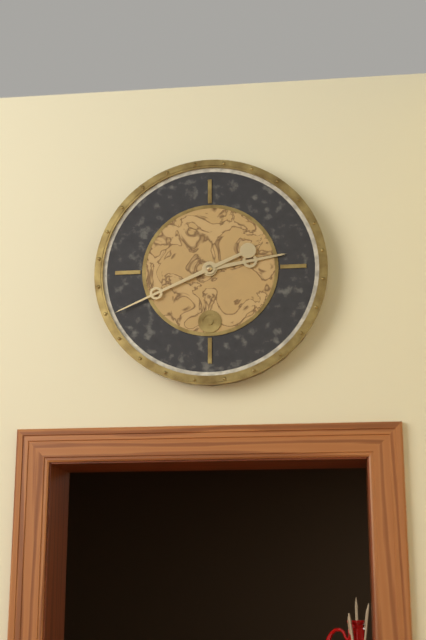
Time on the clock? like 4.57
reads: 2.41
